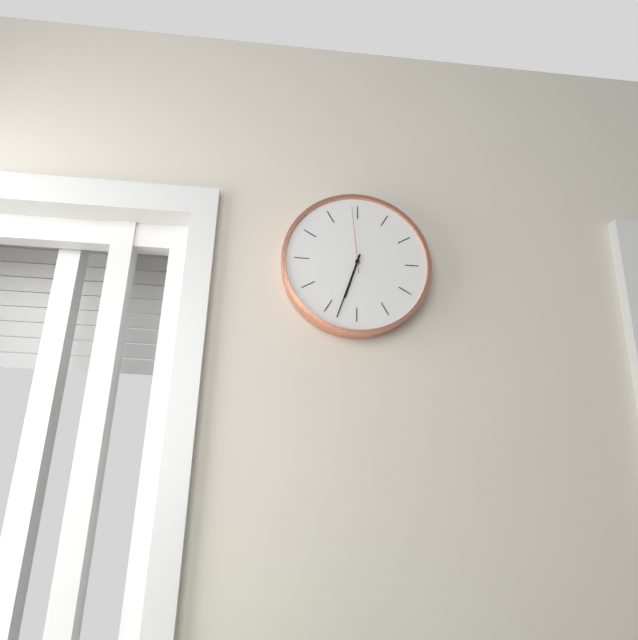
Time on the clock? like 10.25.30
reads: 6.33.59
